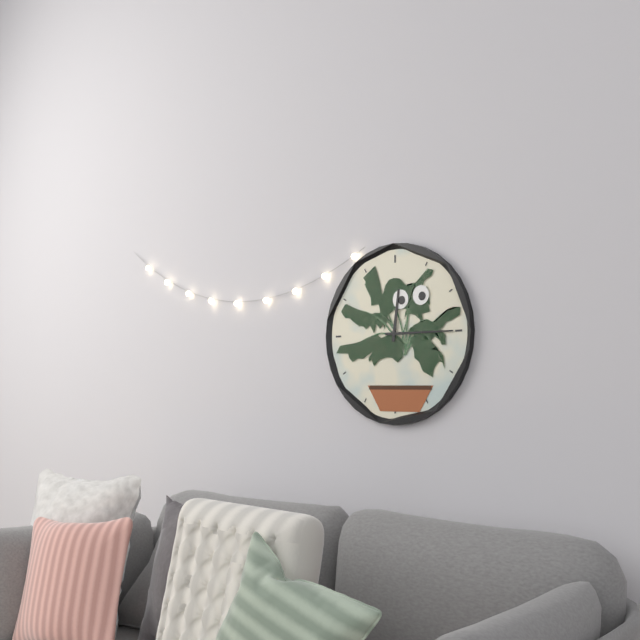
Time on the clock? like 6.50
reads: 12.15
